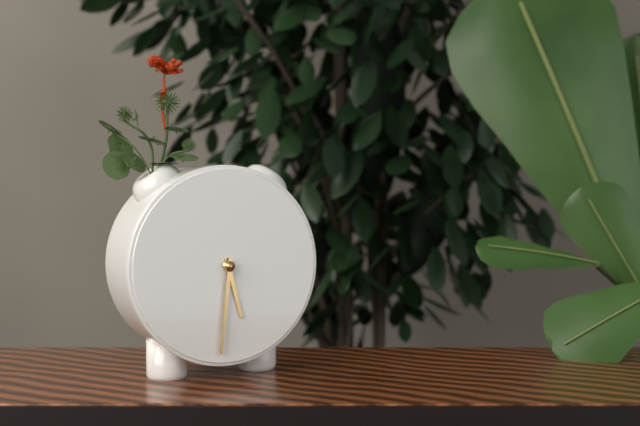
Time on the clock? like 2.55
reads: 5.31
